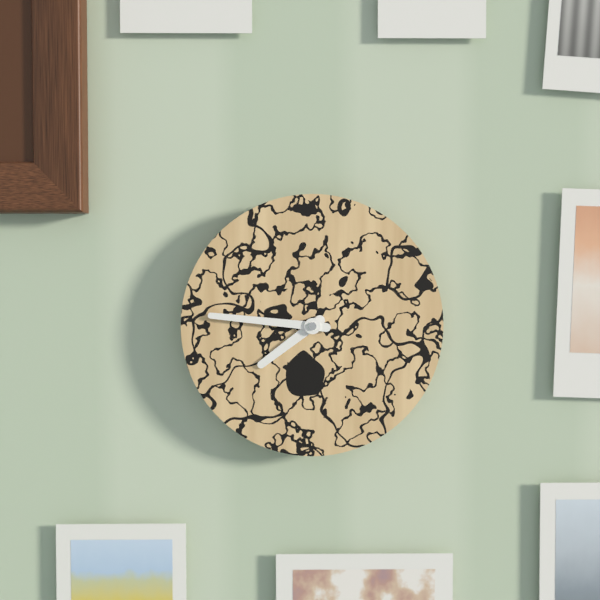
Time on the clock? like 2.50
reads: 7.46
